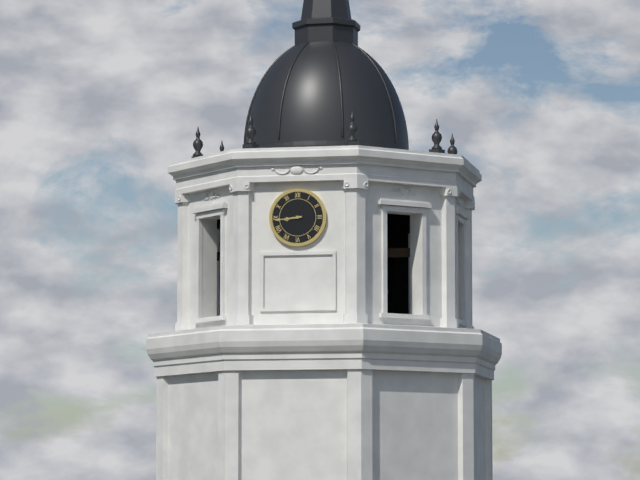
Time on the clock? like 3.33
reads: 8.44
